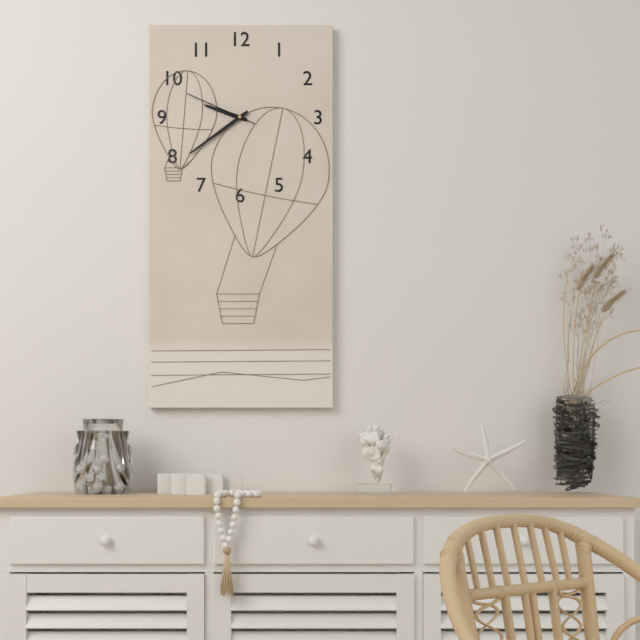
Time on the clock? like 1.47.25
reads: 9.39.49
